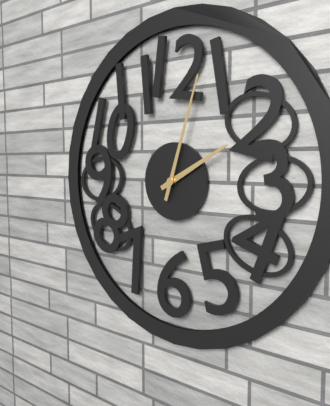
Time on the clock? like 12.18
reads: 2.03
